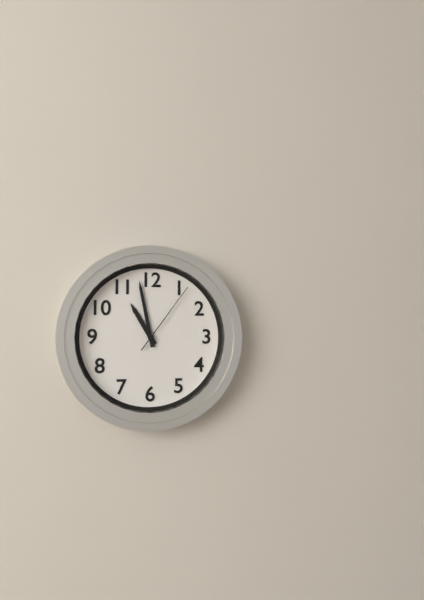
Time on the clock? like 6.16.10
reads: 10.58.06
